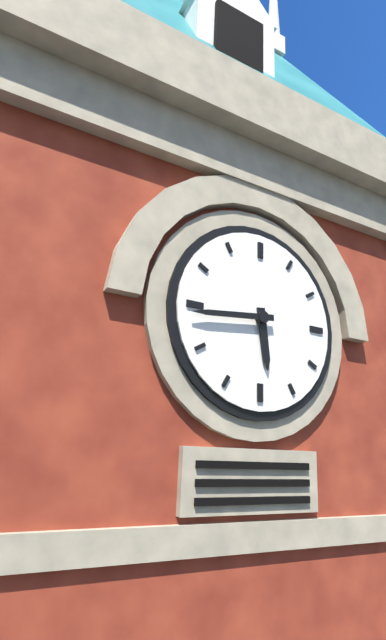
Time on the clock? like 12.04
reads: 5.44
